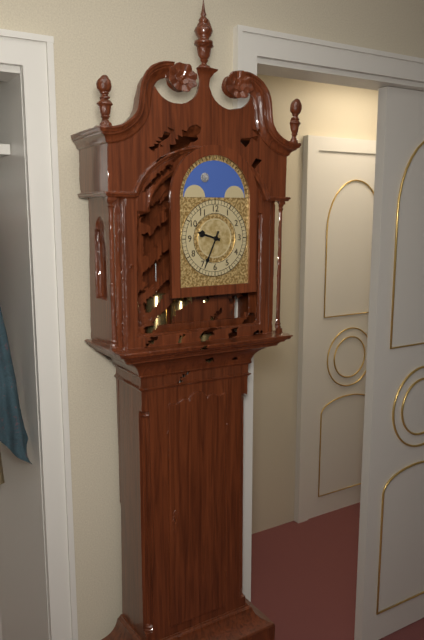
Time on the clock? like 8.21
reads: 9.34
